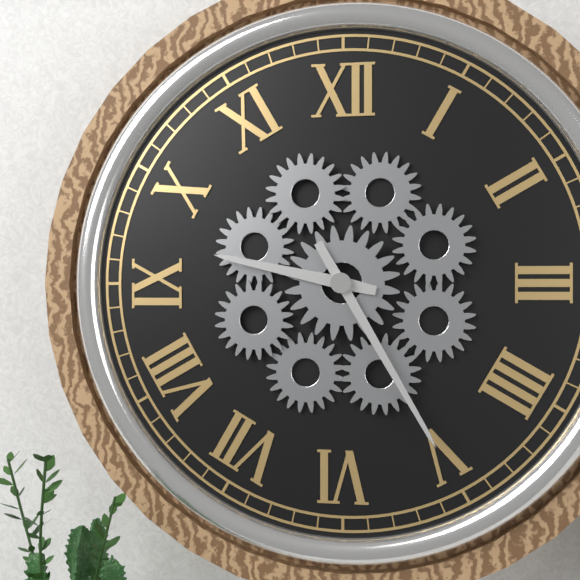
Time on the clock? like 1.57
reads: 9.25
